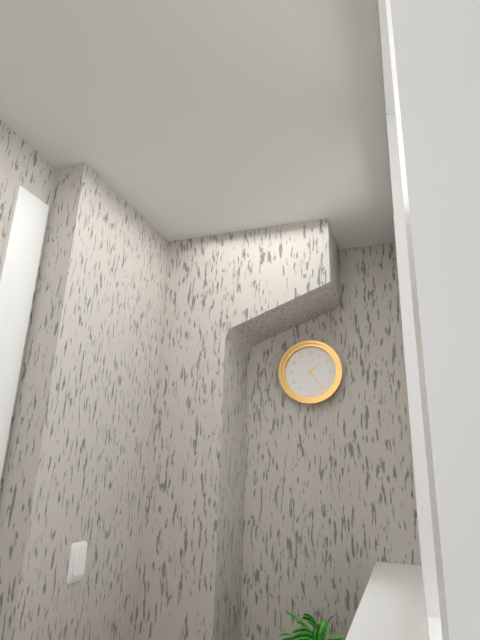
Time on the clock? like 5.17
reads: 1.24
